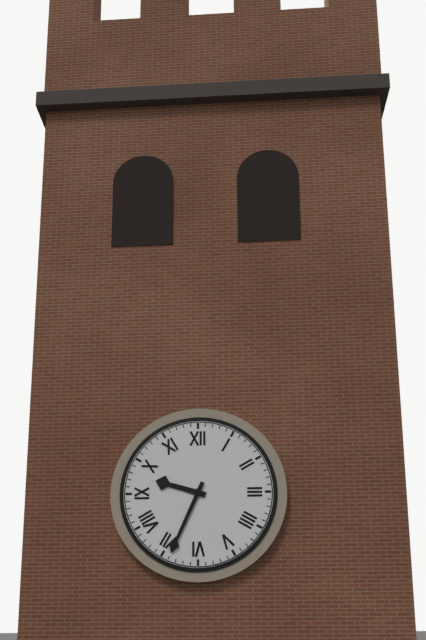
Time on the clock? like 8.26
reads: 9.34
